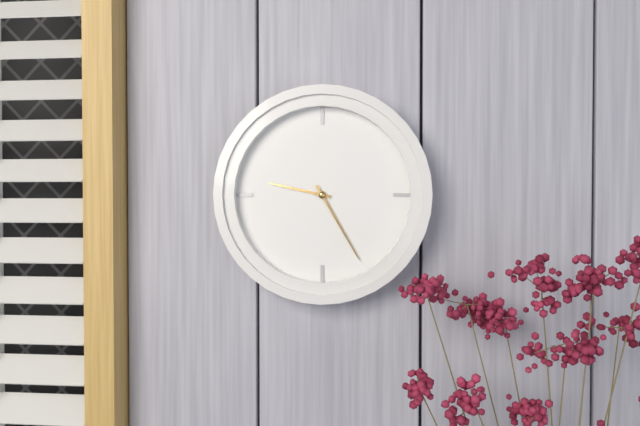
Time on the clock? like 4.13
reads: 9.25
